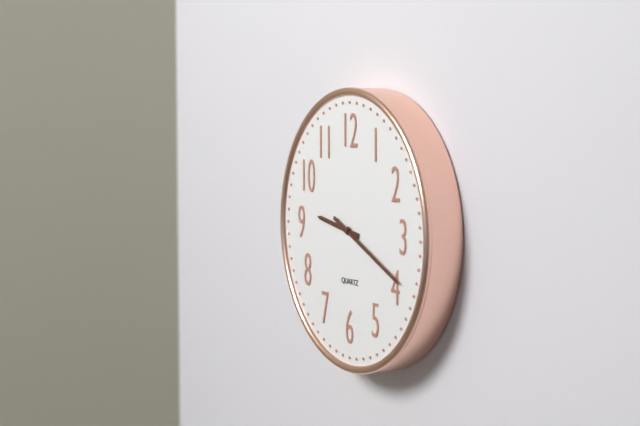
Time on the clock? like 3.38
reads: 9.19
